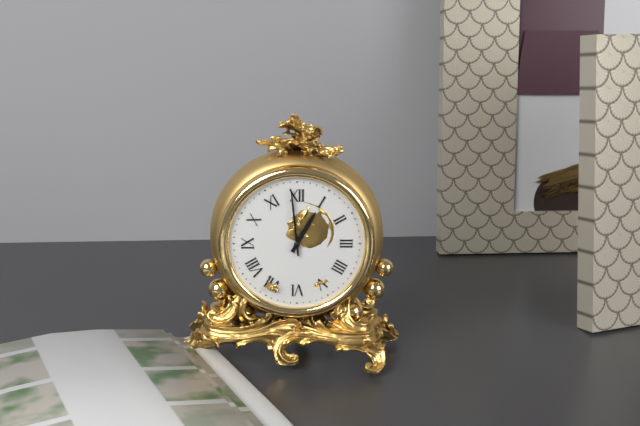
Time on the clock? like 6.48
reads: 12.59
